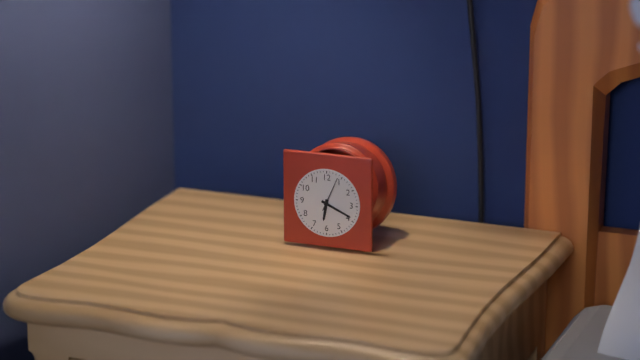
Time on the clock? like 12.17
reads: 6.19
